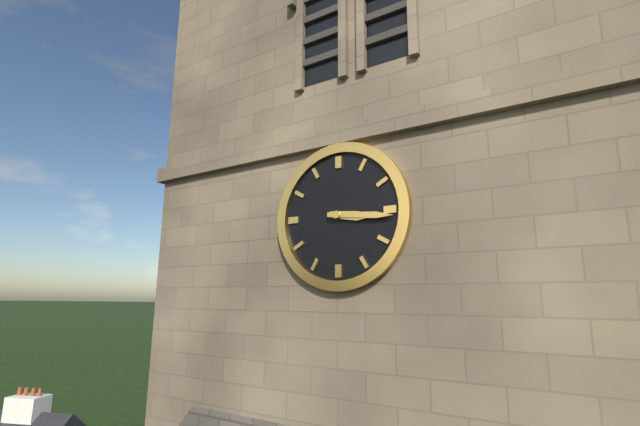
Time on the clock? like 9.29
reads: 3.16
